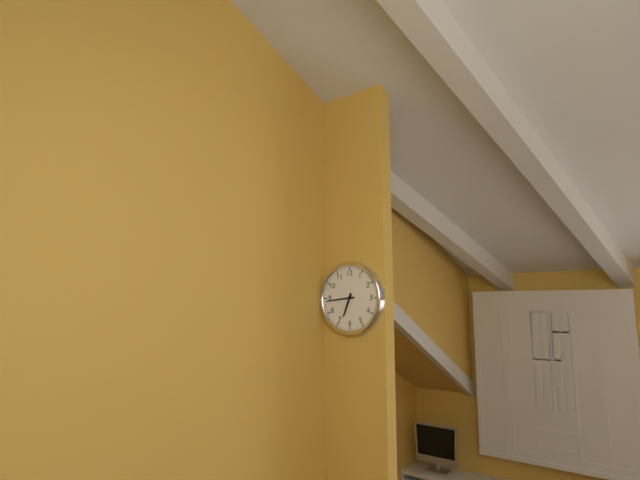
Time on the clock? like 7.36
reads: 6.44
